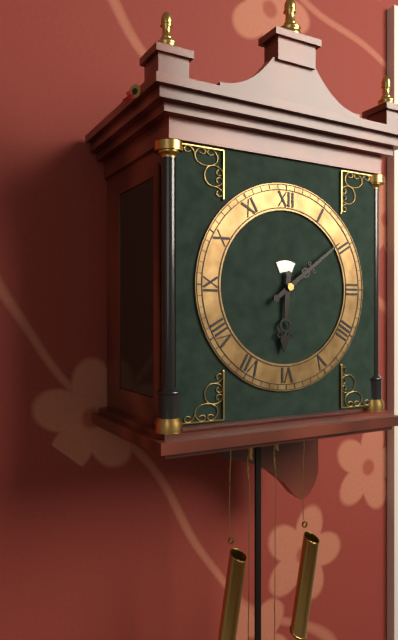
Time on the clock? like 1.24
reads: 6.09
